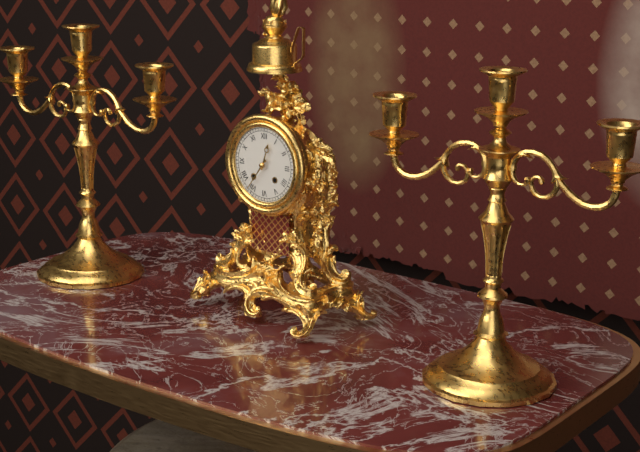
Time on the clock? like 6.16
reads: 12.36
